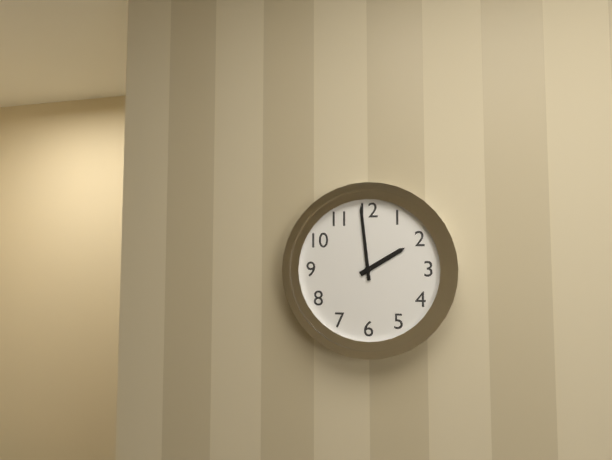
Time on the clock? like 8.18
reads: 1.59
